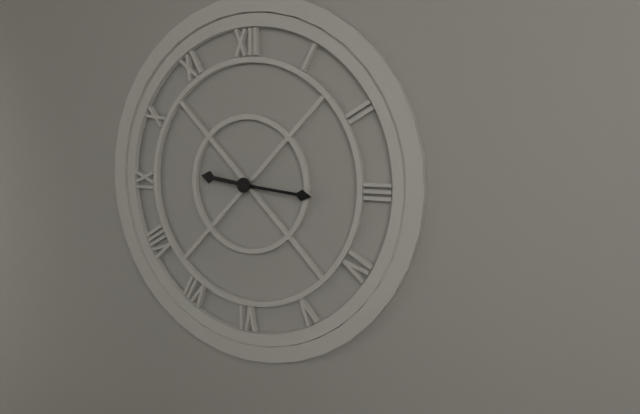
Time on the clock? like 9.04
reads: 9.16
